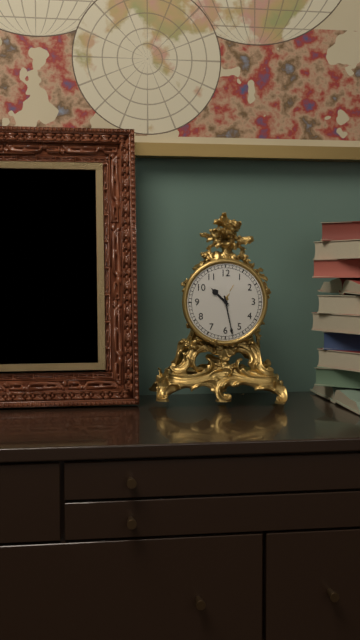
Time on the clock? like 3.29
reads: 10.28
